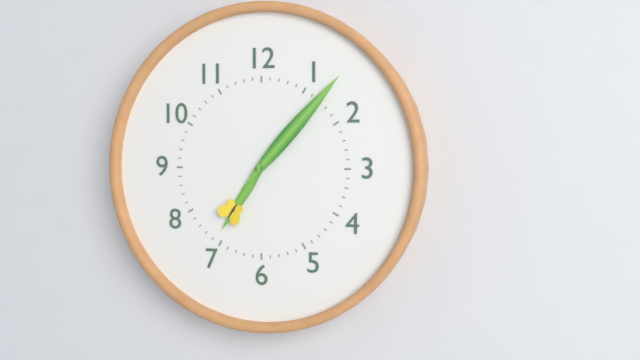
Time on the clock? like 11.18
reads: 7.07
